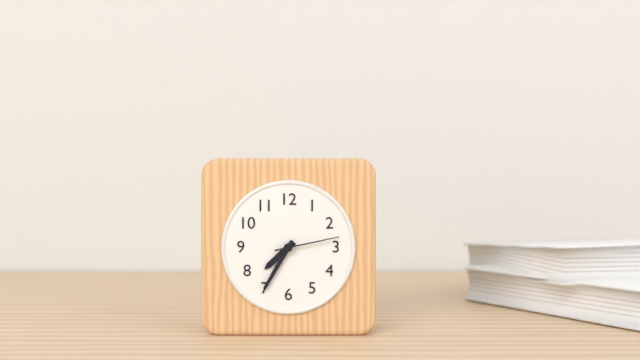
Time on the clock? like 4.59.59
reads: 7.35.13
